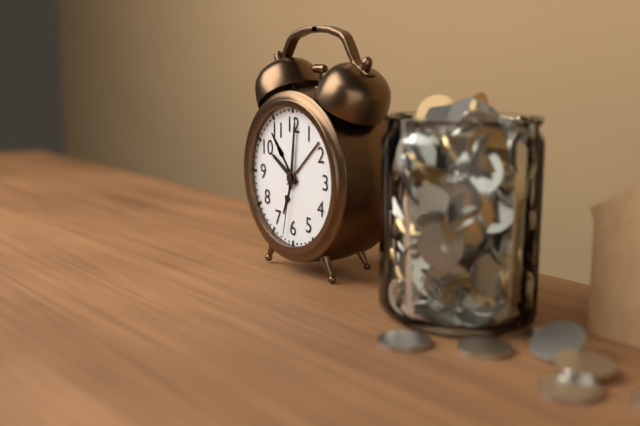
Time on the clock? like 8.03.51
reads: 10.01.32
